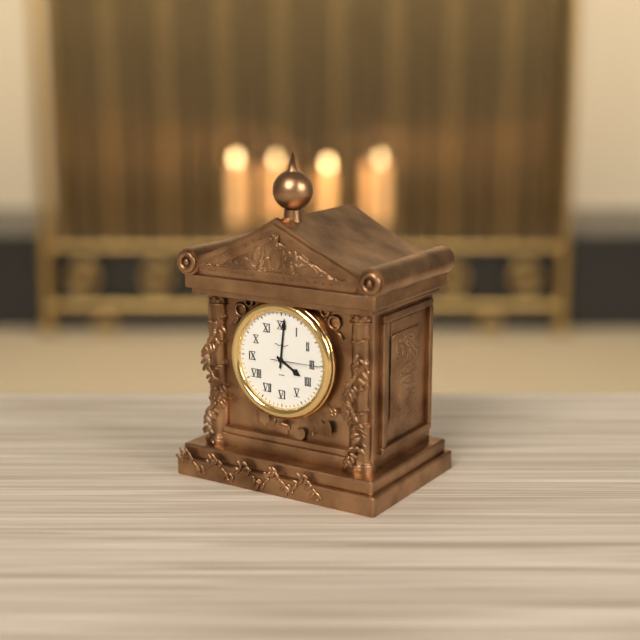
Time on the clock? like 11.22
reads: 4.01
